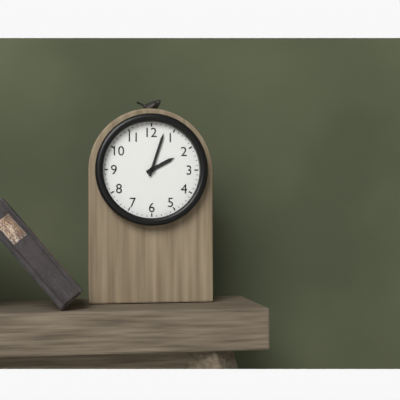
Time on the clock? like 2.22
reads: 2.03
